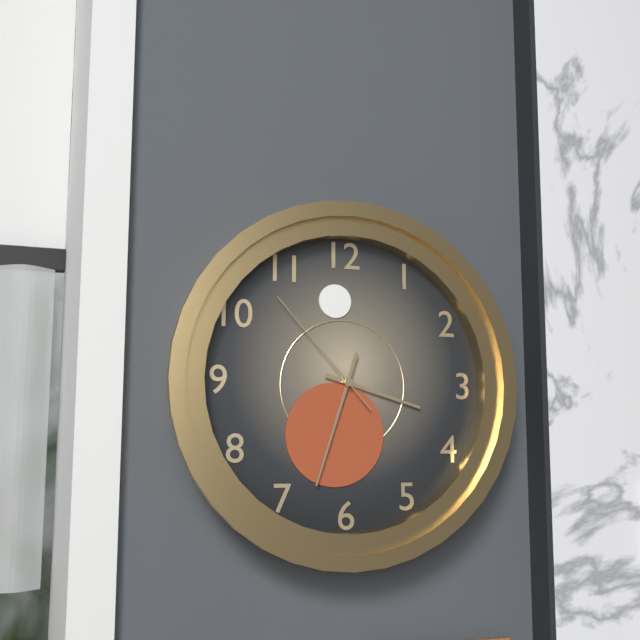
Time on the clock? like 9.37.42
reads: 3.33.53
